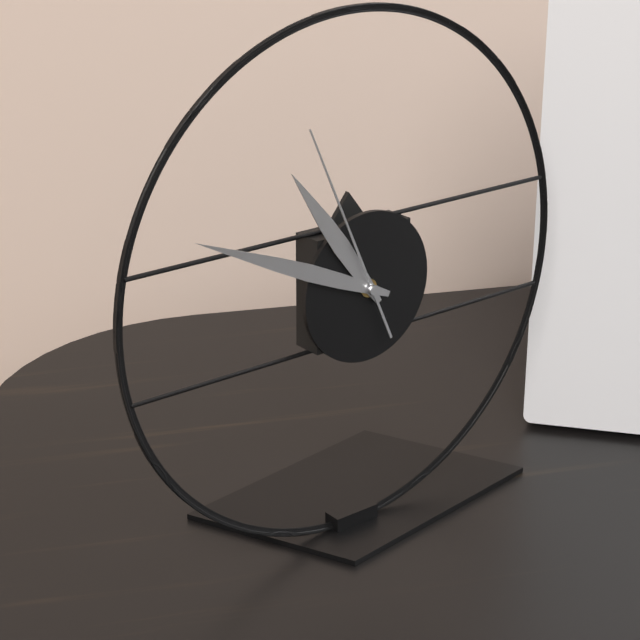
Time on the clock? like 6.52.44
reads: 10.49.56
